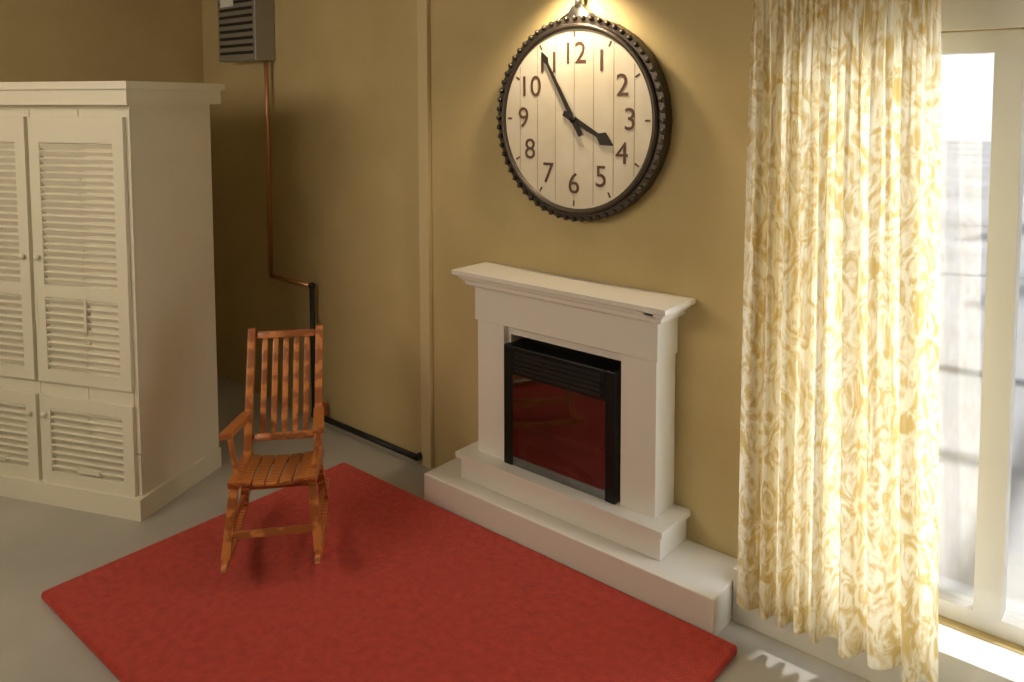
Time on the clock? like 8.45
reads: 3.55
